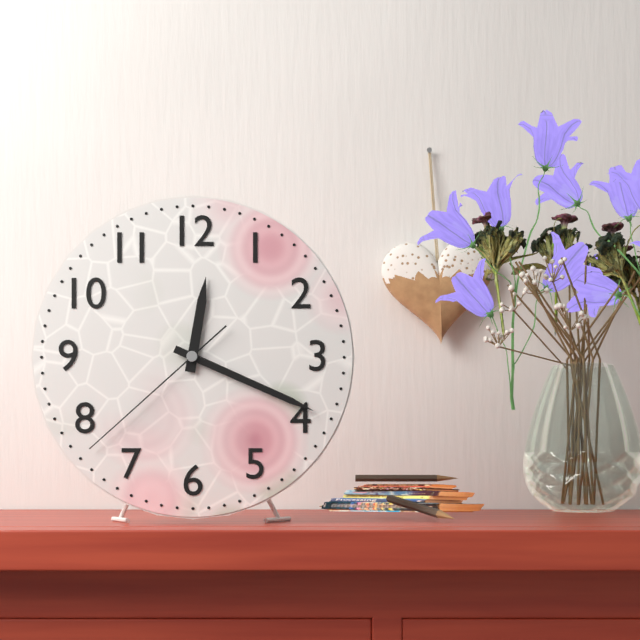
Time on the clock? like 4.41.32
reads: 12.19.38
